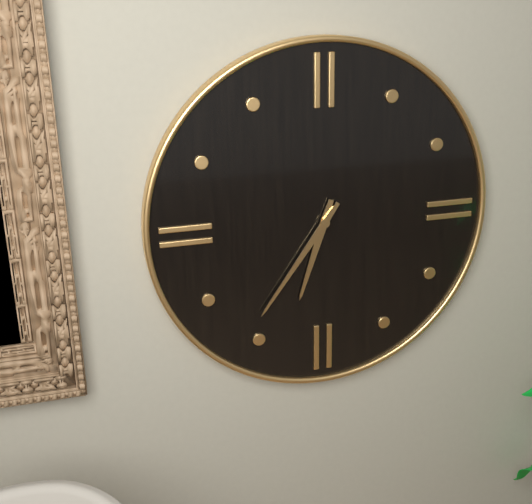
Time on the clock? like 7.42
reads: 6.36
